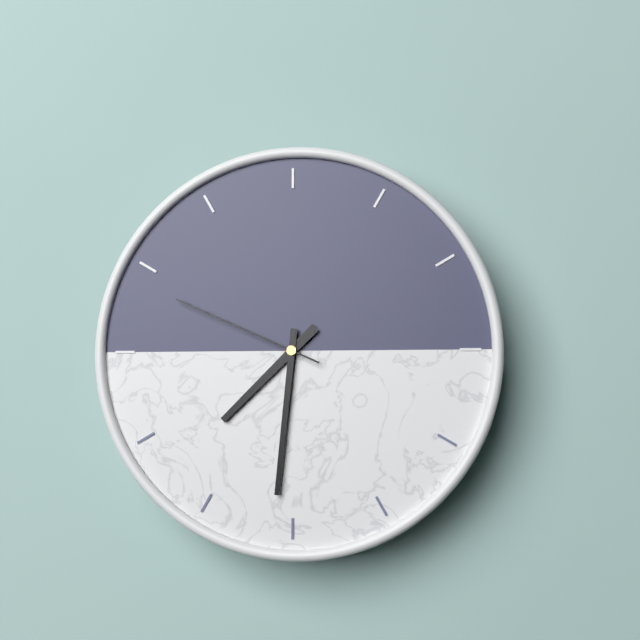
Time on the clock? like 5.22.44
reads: 7.31.49
